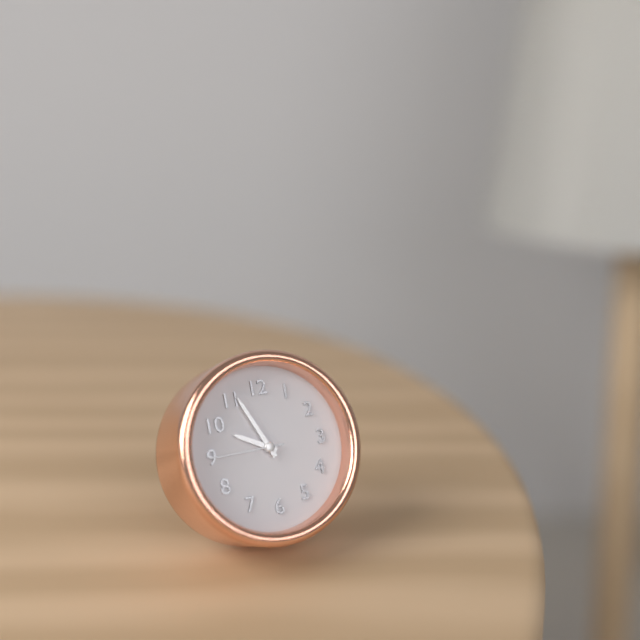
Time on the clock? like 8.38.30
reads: 9.56.45
